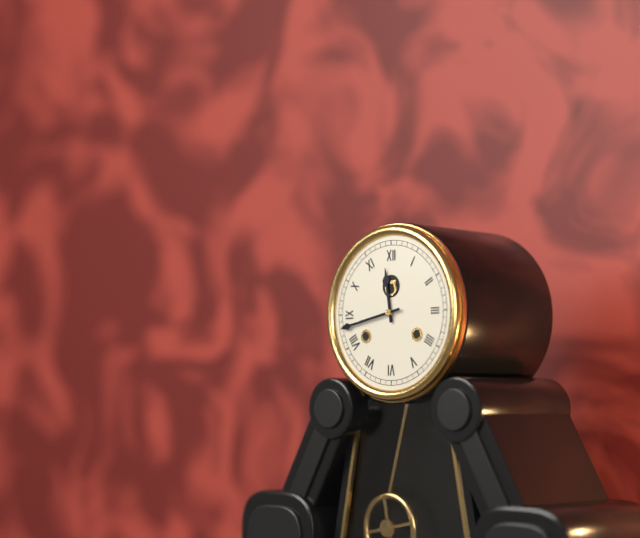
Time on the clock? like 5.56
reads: 11.43
